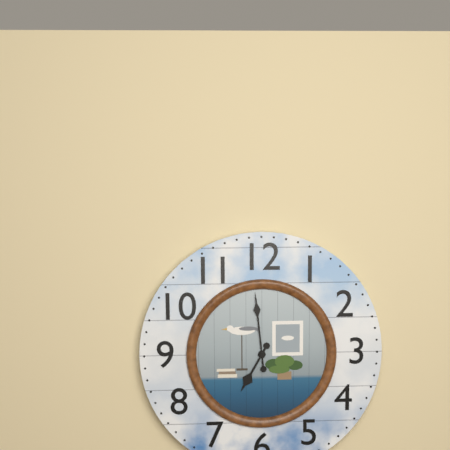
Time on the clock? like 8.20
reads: 6.59
